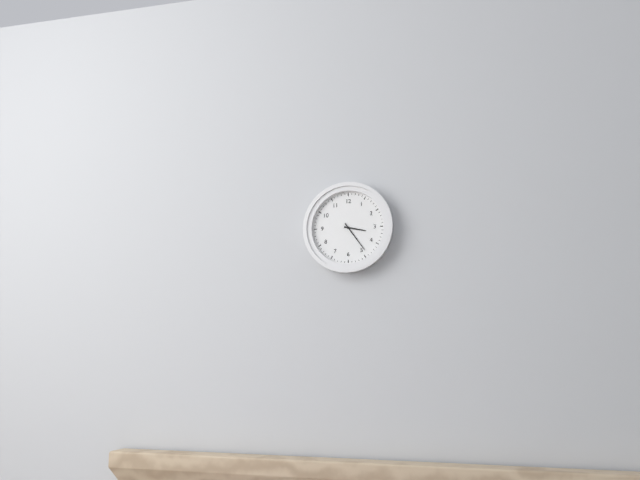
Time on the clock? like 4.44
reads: 3.24
